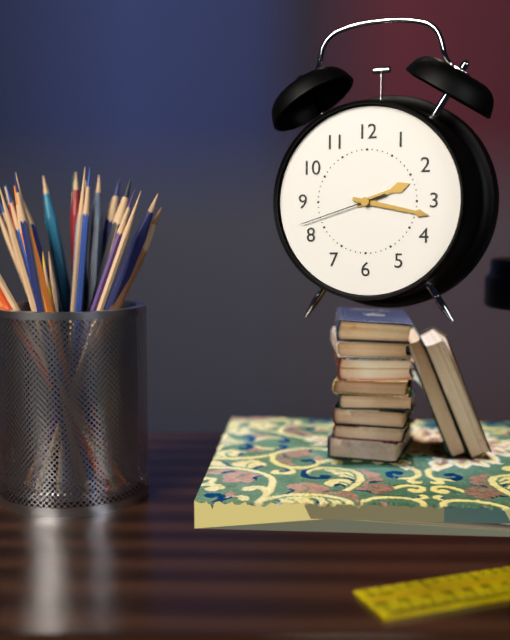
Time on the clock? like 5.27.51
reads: 2.17.42
